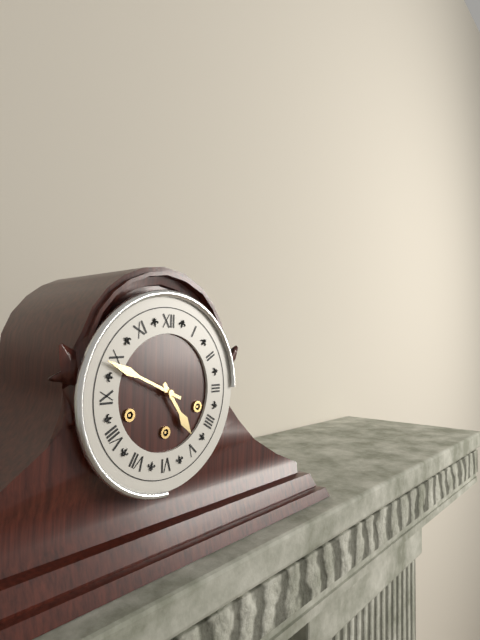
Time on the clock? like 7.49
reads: 4.49
